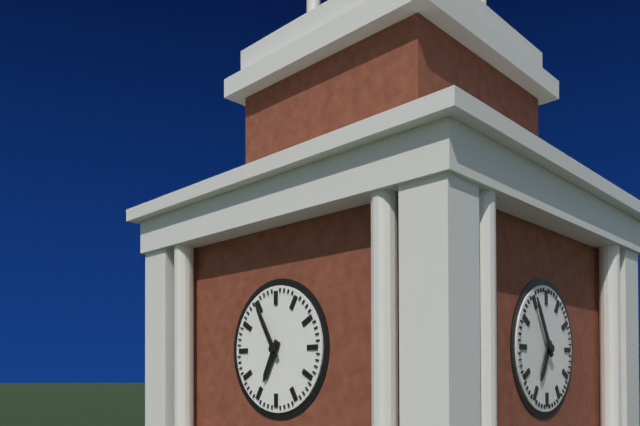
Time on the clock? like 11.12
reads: 6.55
